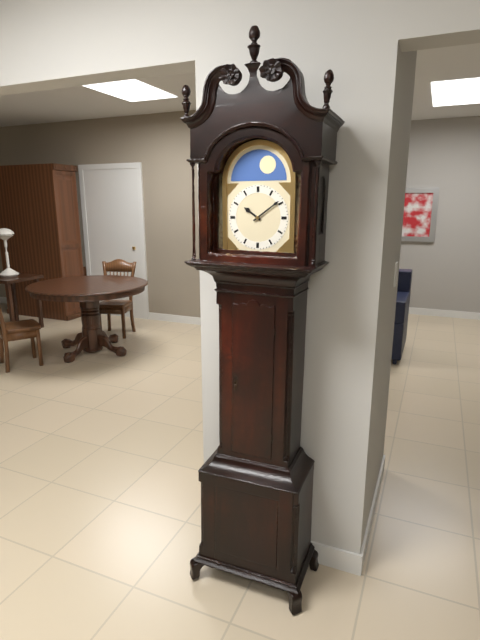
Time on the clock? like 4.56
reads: 10.09
